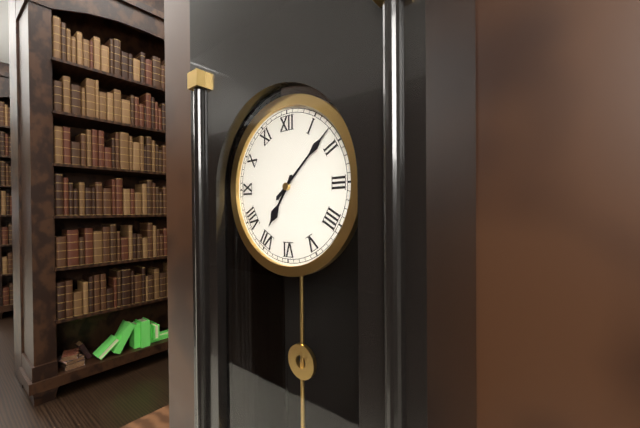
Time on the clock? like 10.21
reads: 7.08
